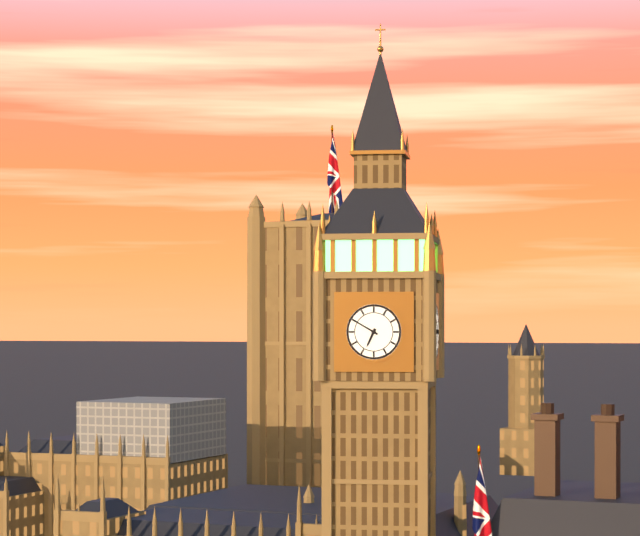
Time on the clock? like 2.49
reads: 6.50
